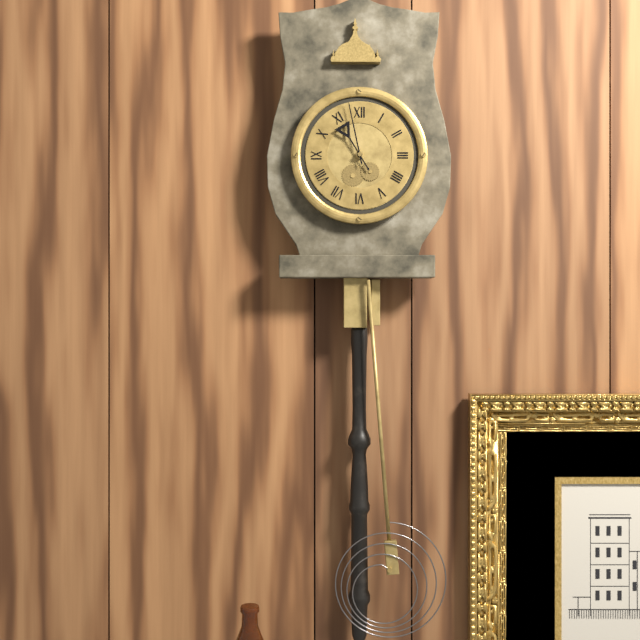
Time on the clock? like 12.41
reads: 10.58
